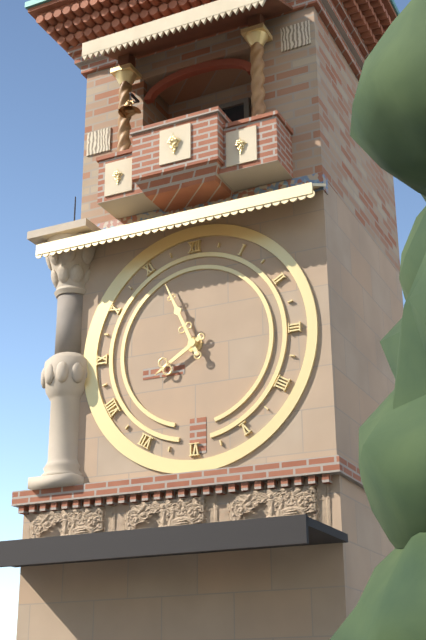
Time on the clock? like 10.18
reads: 7.56
